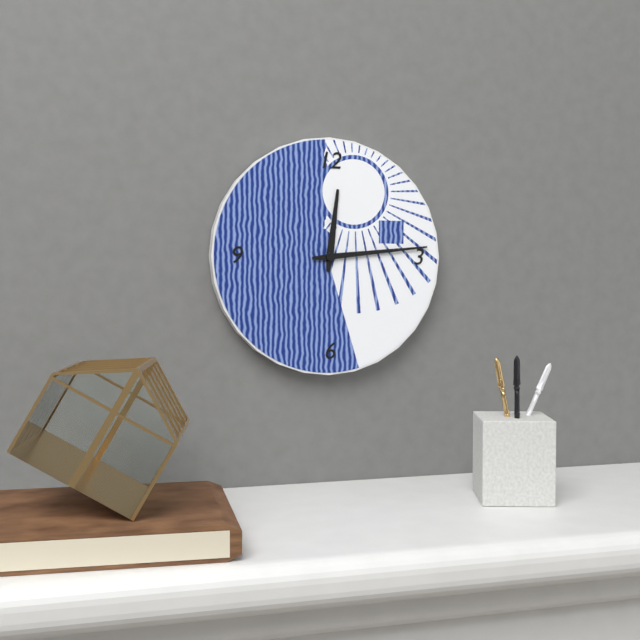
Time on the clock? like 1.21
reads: 12.14
